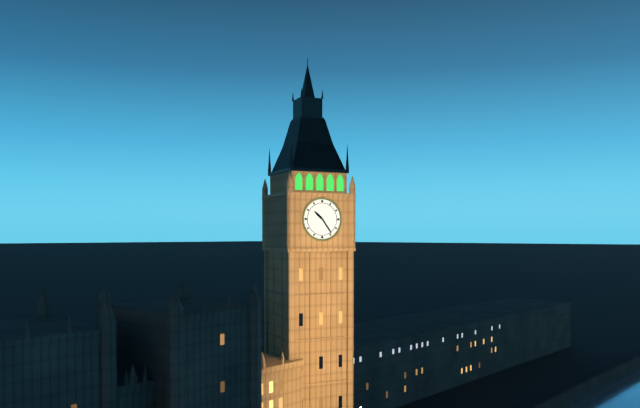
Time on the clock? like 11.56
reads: 10.24
